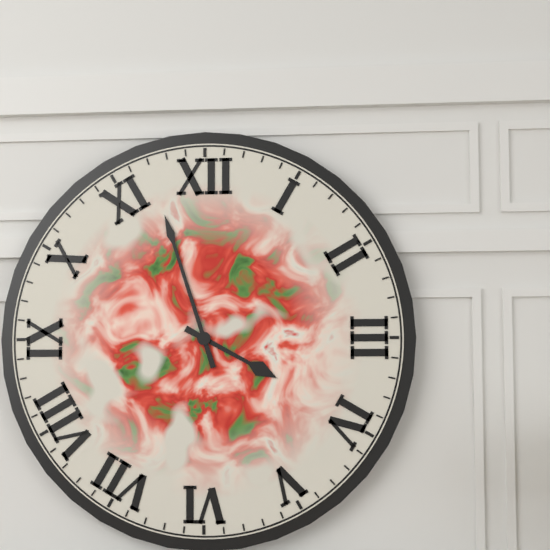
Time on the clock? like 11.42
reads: 3.57
